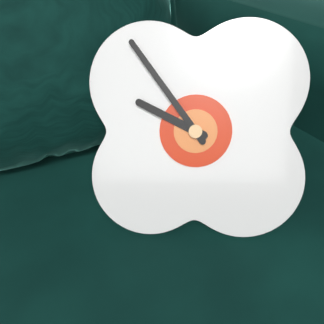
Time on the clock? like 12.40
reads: 9.54
